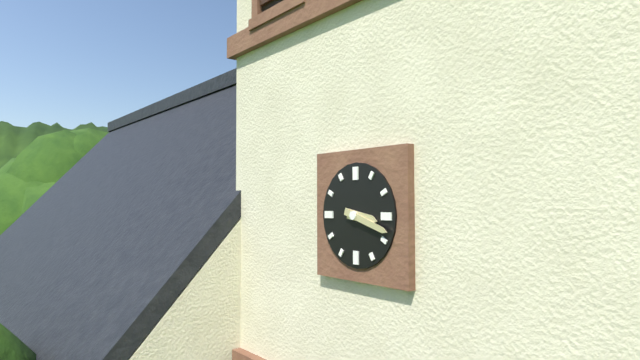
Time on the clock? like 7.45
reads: 3.18
